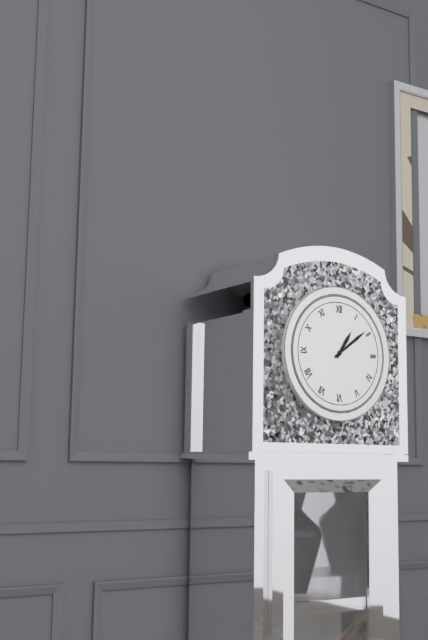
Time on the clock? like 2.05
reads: 1.09
